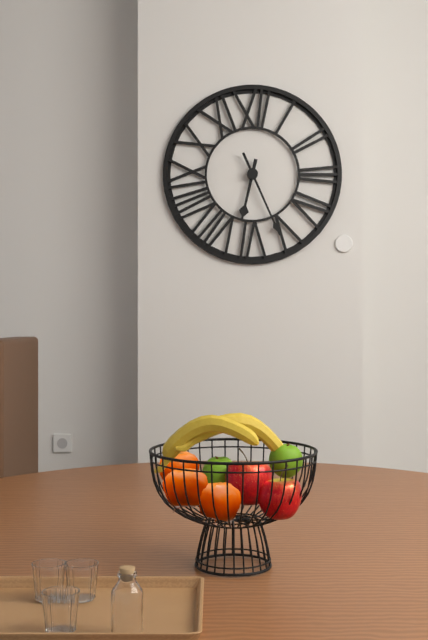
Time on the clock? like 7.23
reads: 6.26
